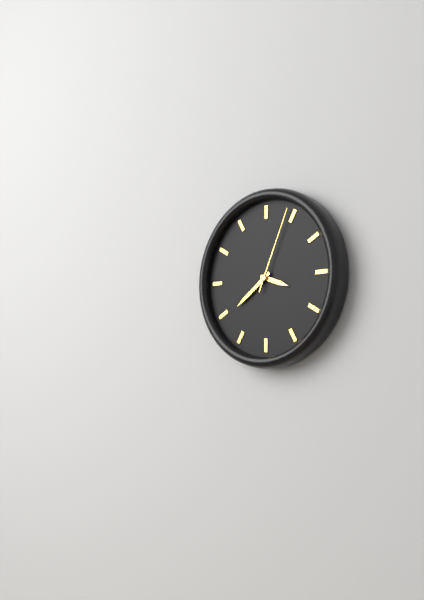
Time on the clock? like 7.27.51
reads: 3.39.04
